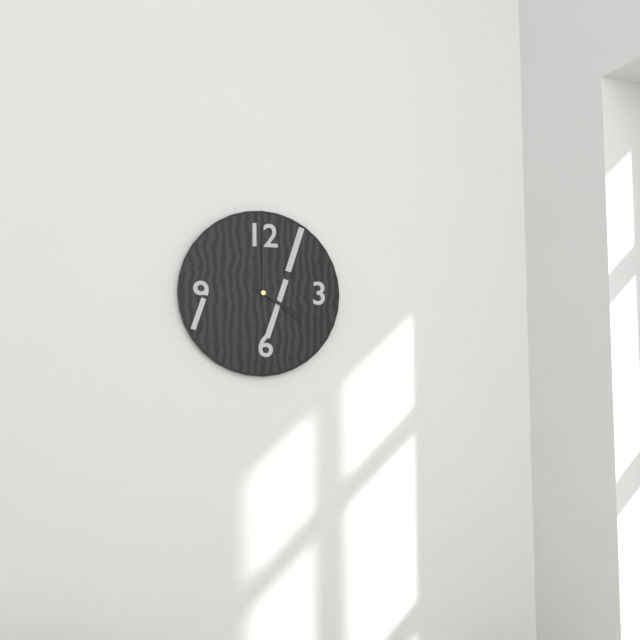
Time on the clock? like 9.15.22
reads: 4.00.21
